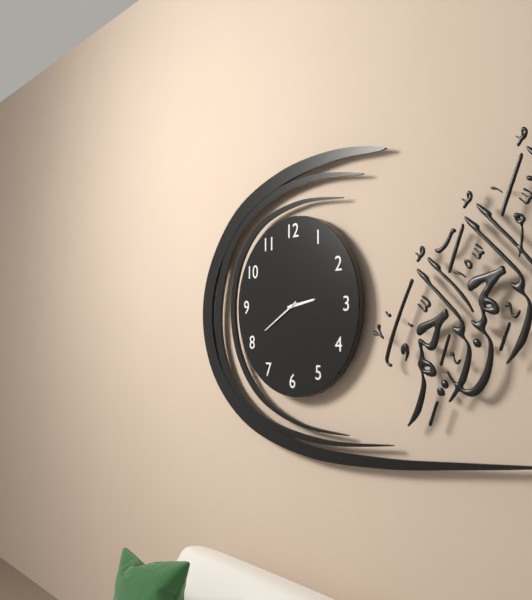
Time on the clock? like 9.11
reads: 2.40
